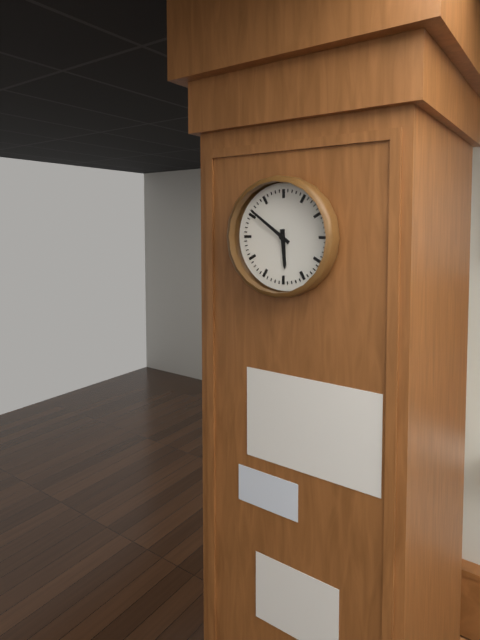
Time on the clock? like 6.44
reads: 5.51
